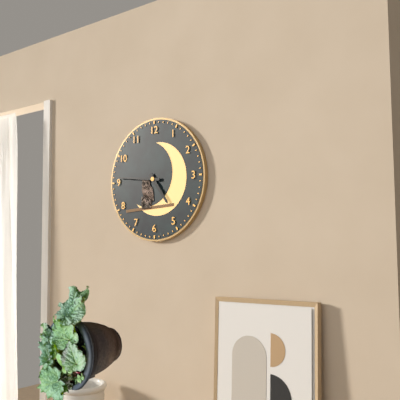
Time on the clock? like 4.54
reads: 4.46
